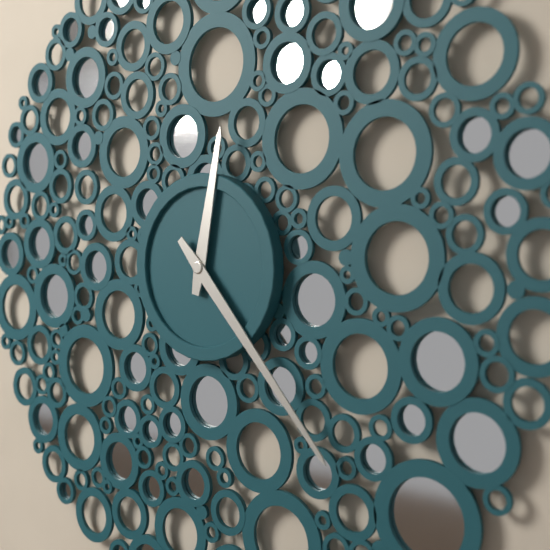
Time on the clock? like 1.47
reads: 12.23
